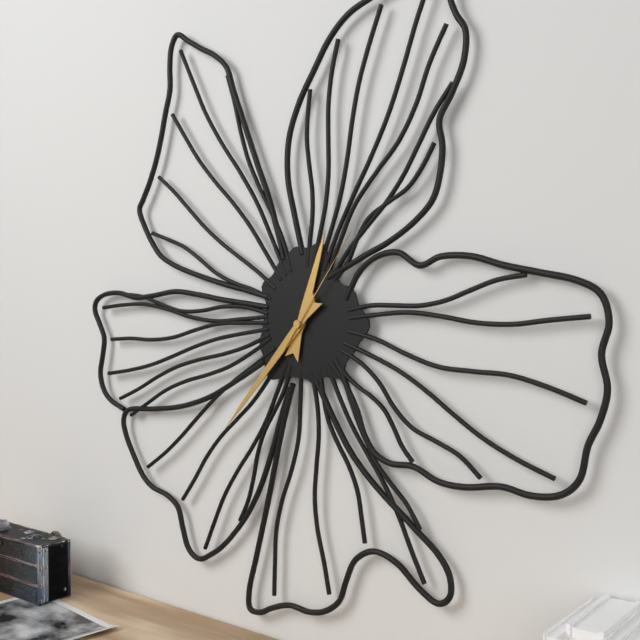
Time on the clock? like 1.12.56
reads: 12.37.06
